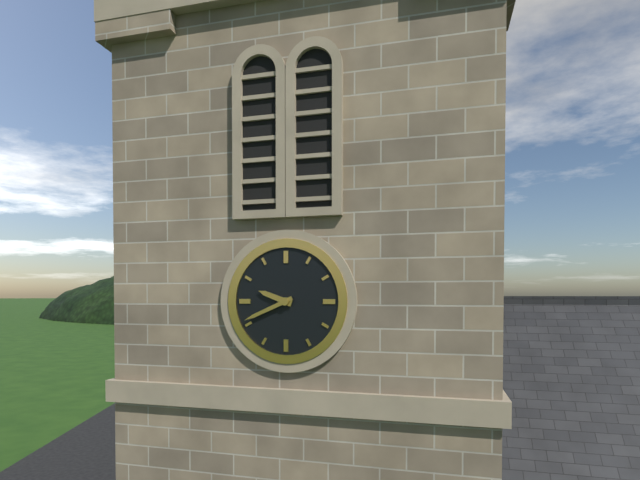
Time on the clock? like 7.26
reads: 9.41
